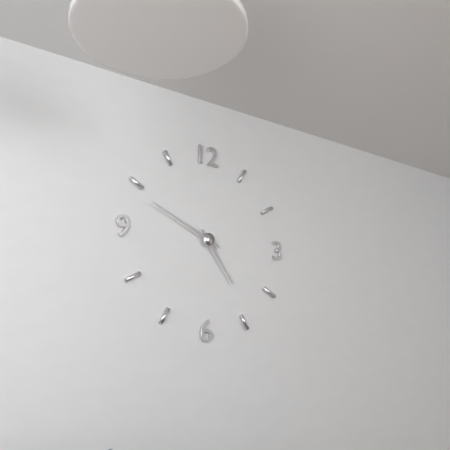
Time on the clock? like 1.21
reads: 4.49
